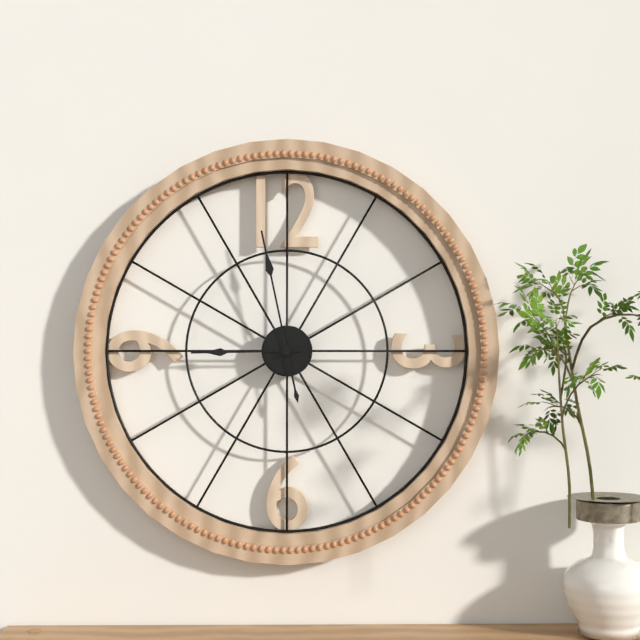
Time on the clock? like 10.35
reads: 8.58
